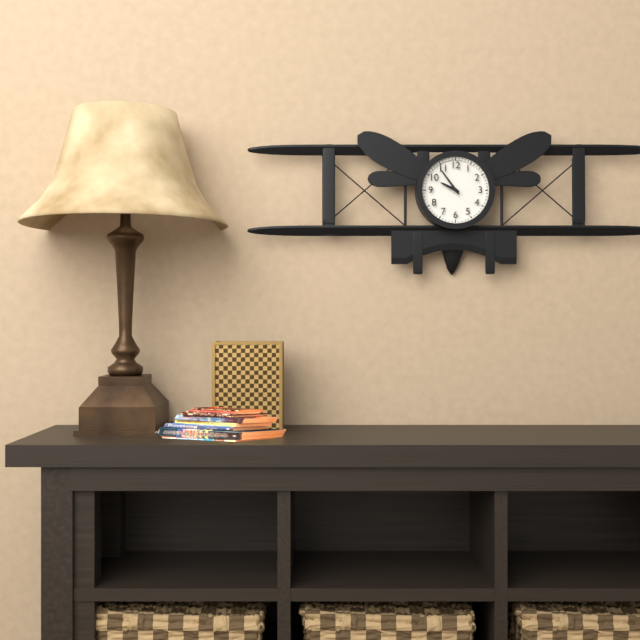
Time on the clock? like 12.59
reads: 9.54
